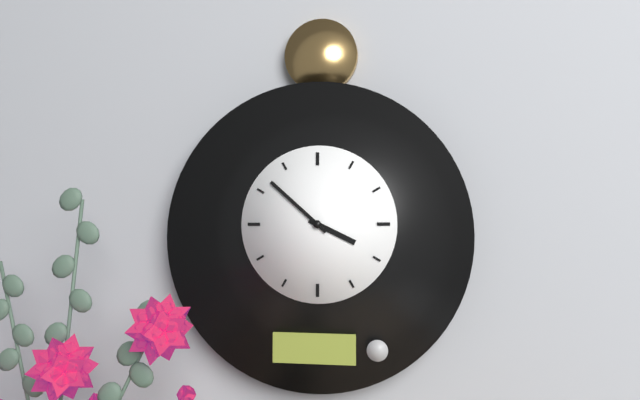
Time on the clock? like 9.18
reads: 3.52
